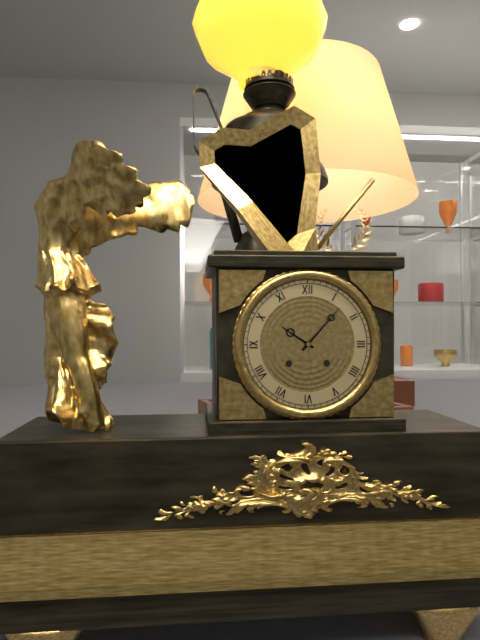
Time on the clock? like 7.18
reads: 10.07
